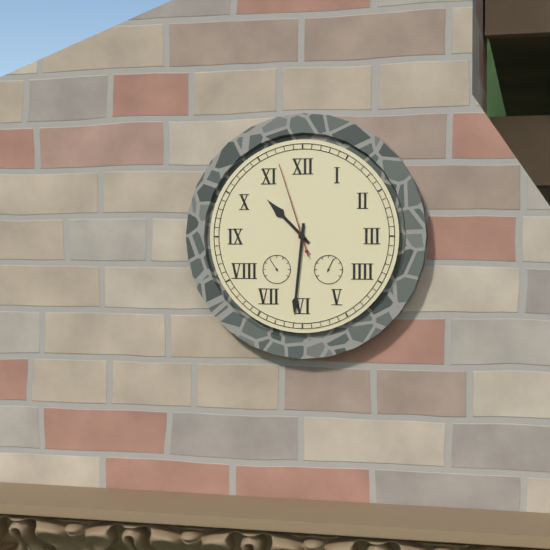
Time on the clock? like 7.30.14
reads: 10.31.57
